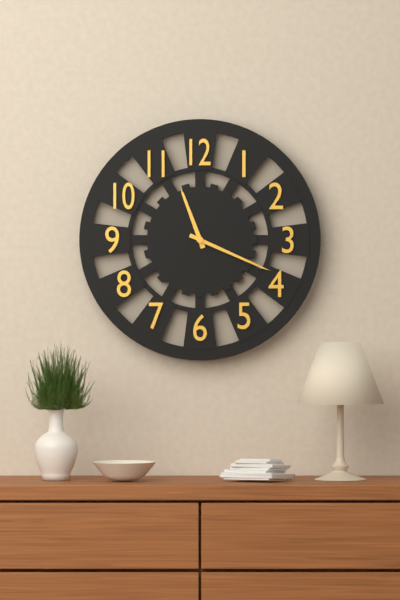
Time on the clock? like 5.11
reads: 11.19
